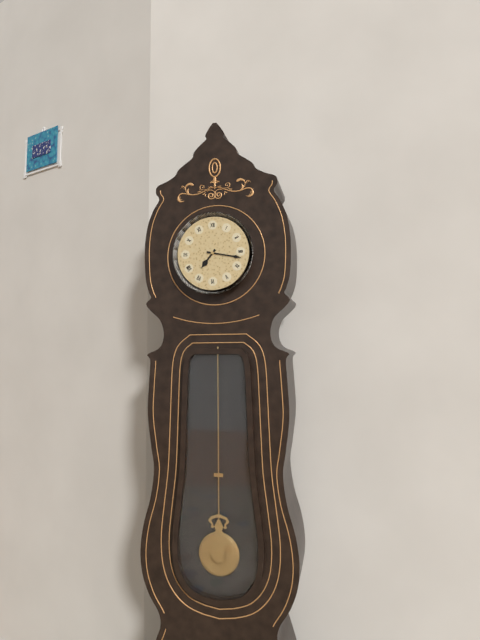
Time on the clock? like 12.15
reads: 7.17
